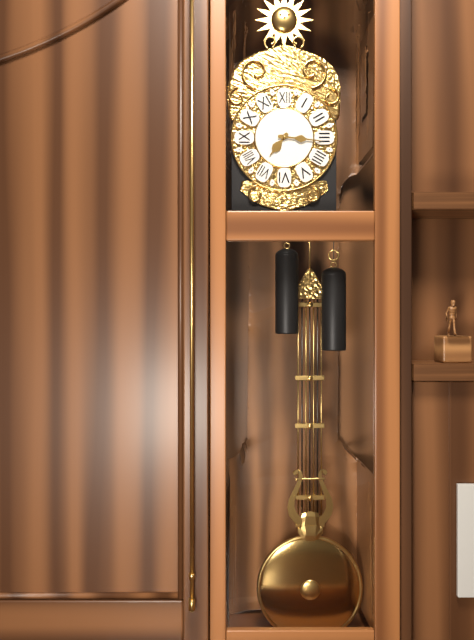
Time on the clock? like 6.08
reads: 7.16
